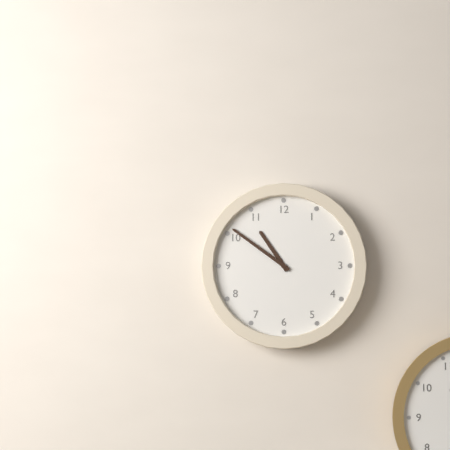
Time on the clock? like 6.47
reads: 10.51
